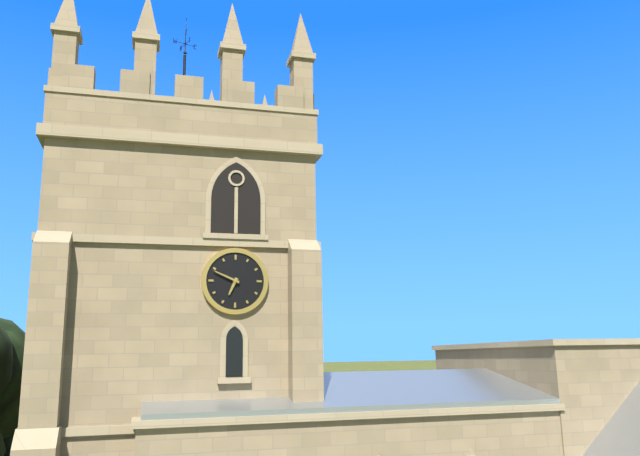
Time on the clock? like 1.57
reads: 6.49
